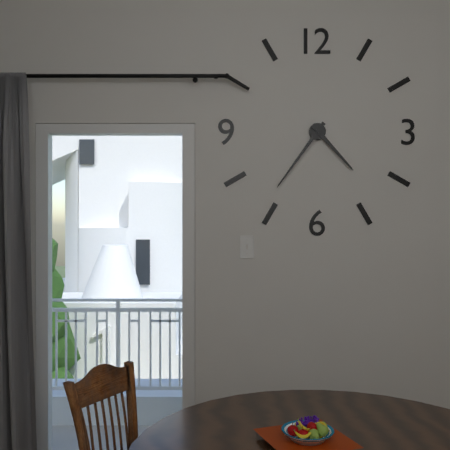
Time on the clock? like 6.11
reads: 4.36
